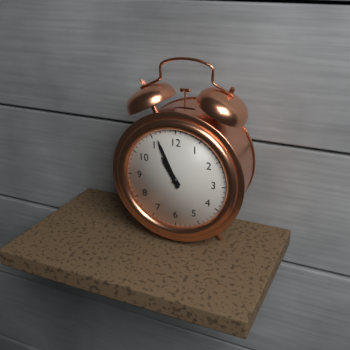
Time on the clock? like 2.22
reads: 10.56
